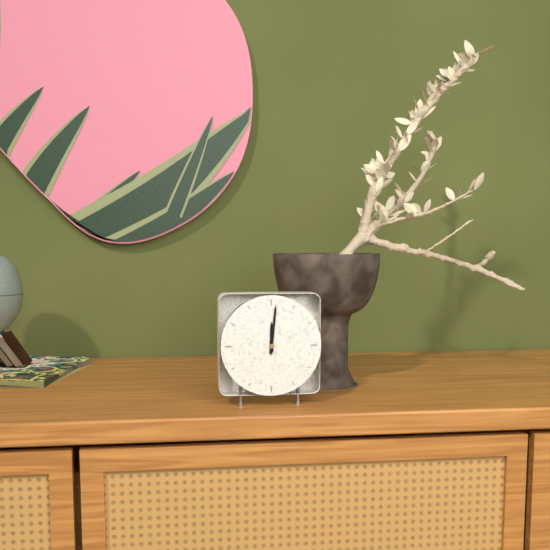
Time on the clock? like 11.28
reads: 12.01
